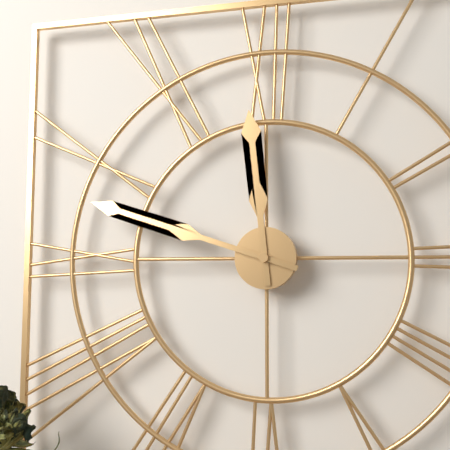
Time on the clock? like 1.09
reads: 11.48
